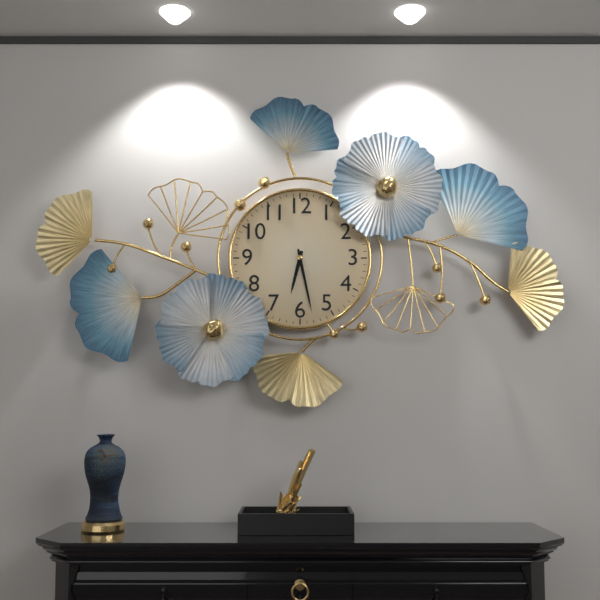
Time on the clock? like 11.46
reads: 6.28
